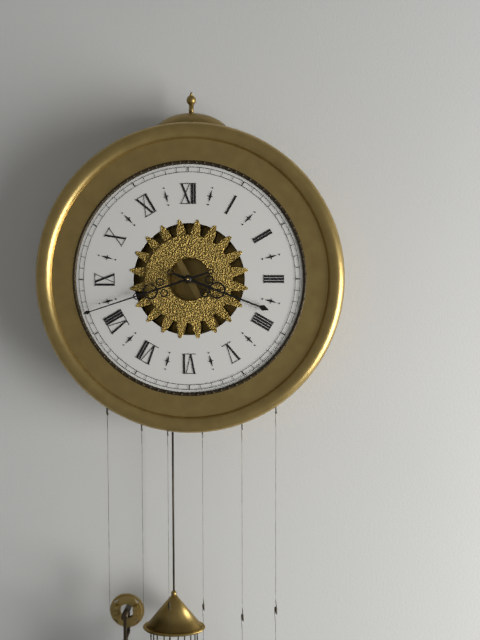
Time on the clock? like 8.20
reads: 3.42
